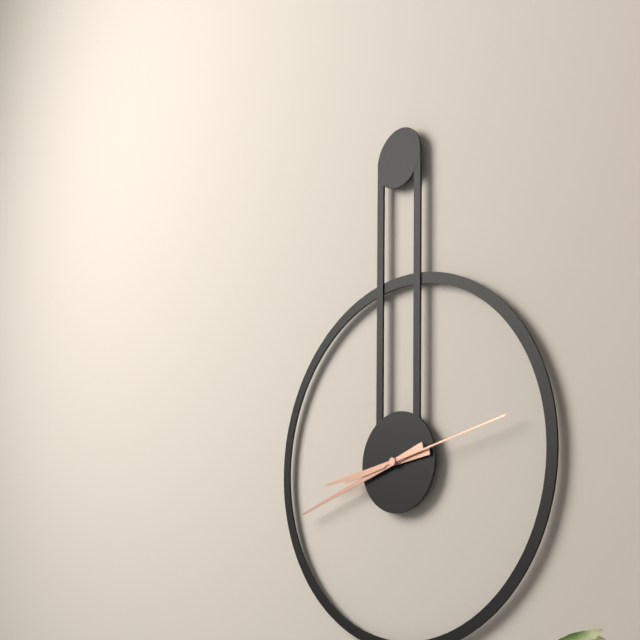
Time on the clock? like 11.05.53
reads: 8.42.13
